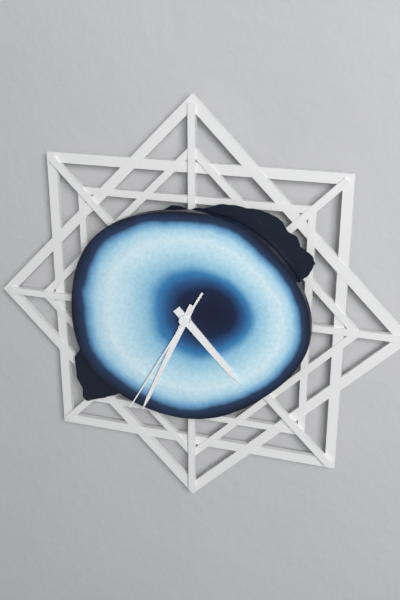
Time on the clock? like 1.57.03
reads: 4.34.35
